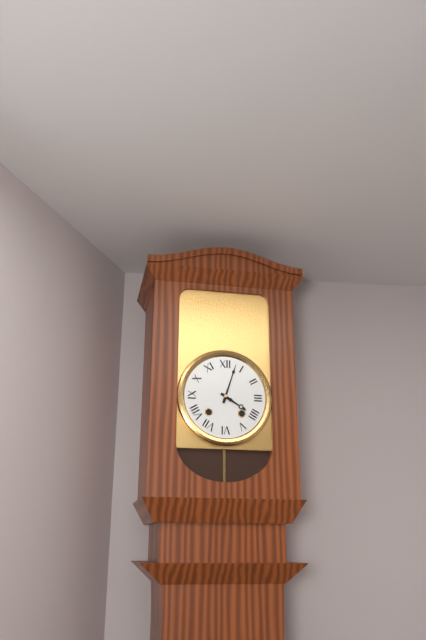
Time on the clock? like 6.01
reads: 4.03
